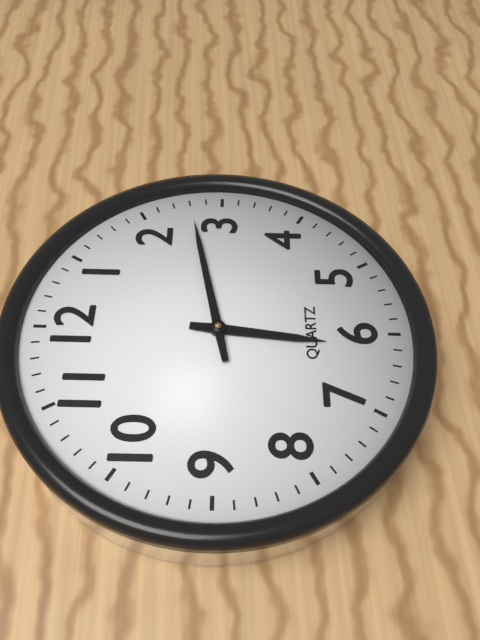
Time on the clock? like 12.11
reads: 6.13
